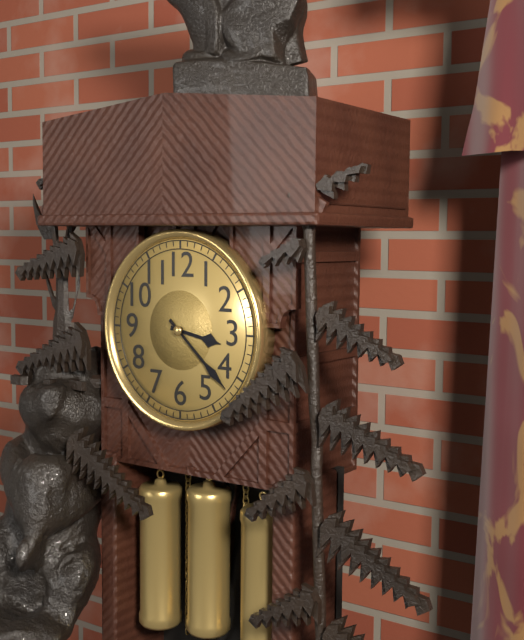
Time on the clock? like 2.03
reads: 3.22
